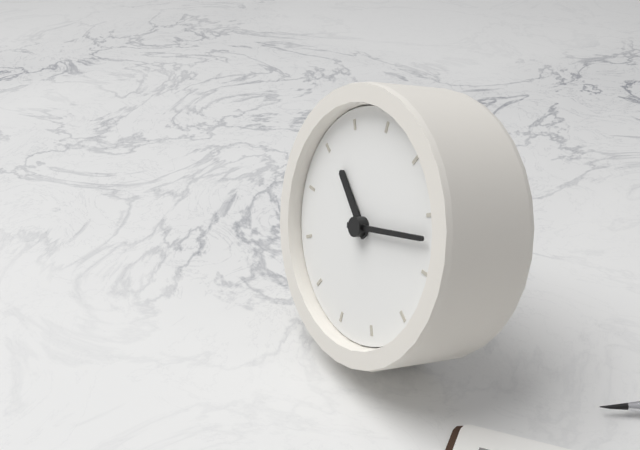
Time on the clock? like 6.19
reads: 10.12
